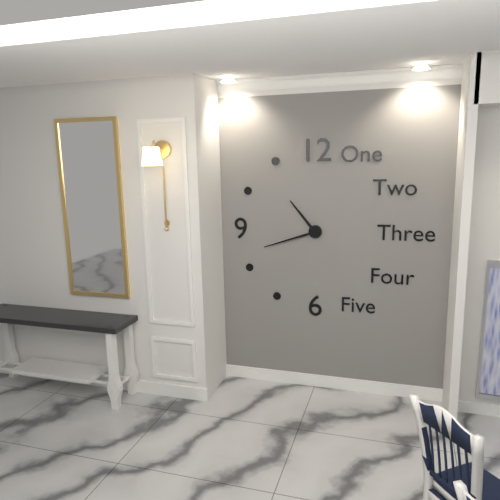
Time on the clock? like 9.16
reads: 10.42
